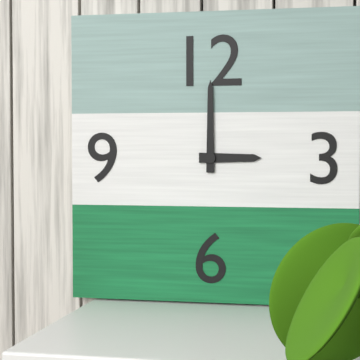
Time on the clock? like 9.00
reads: 3.00
